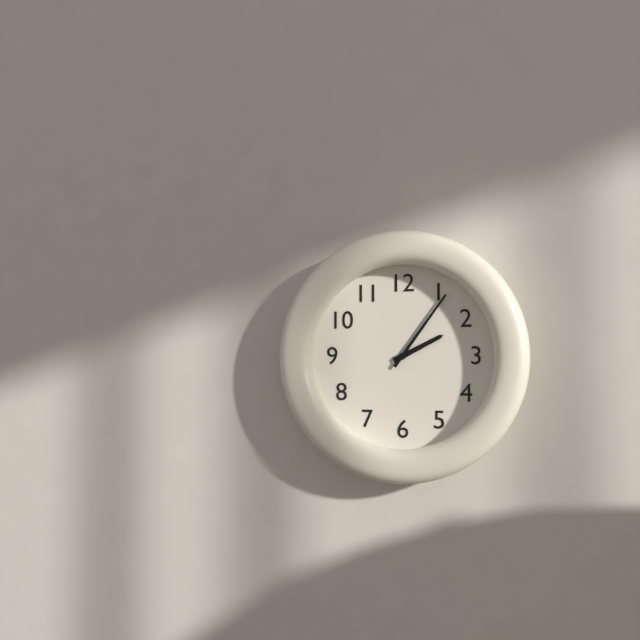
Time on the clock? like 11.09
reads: 2.06
